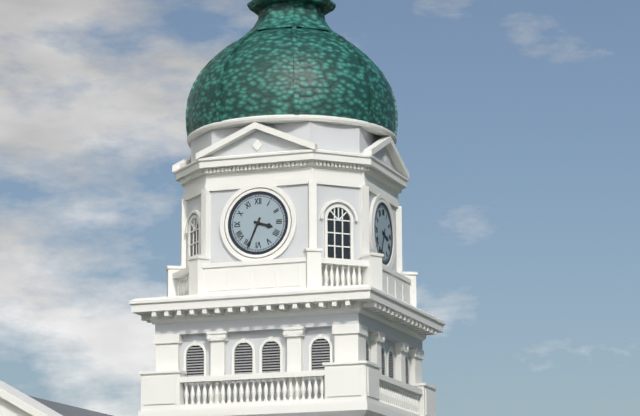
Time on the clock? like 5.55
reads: 3.34
